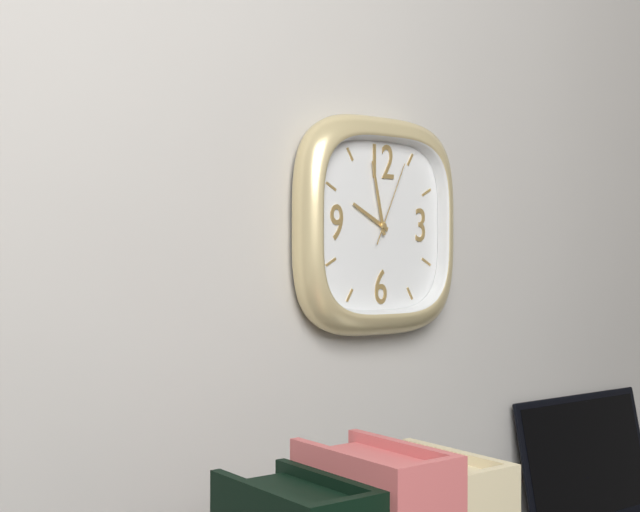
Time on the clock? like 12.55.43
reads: 9.58.04
